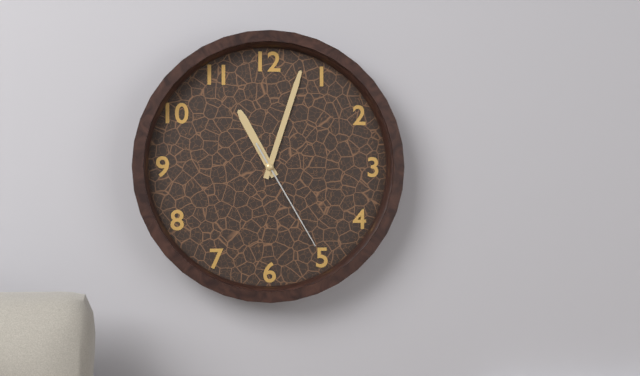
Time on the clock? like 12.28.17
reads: 11.03.25
